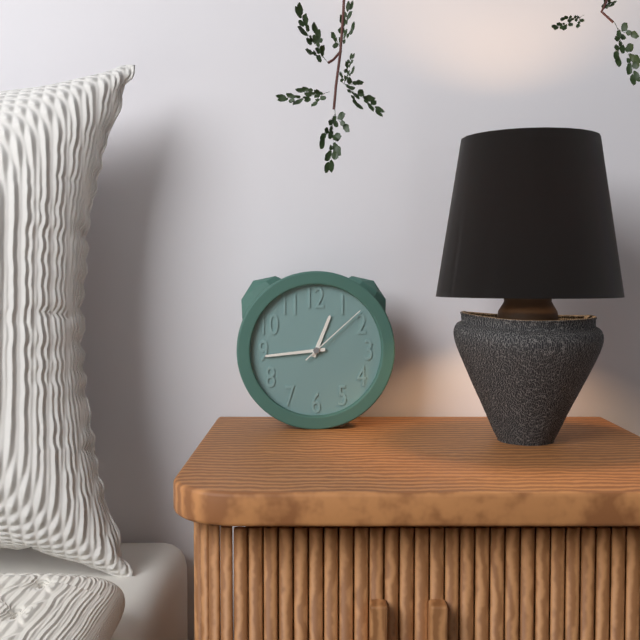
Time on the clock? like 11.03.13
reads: 12.44.08
